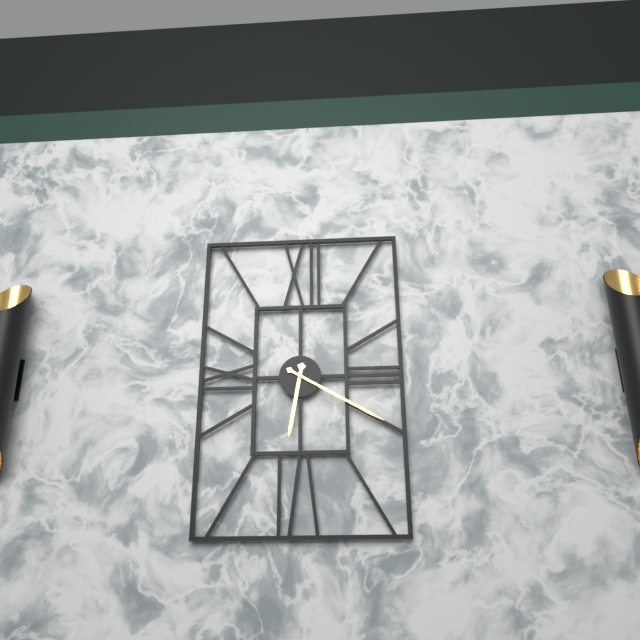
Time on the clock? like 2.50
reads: 6.20
